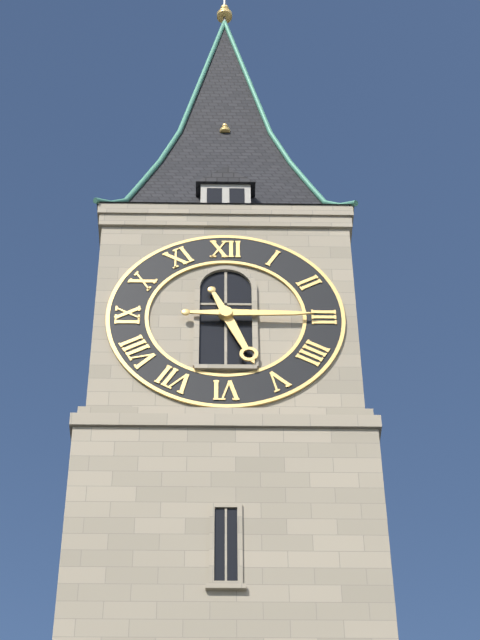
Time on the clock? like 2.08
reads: 5.15
